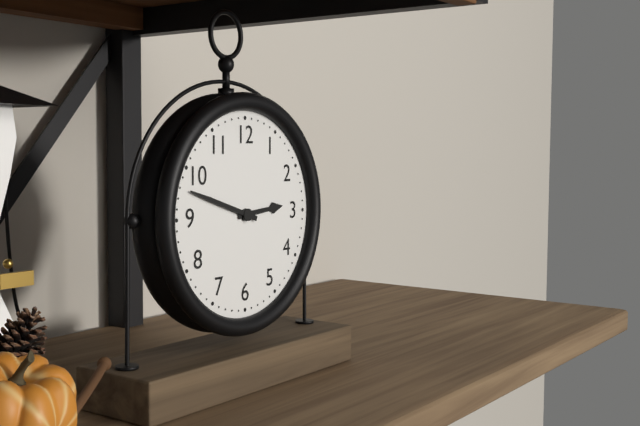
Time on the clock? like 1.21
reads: 2.48
